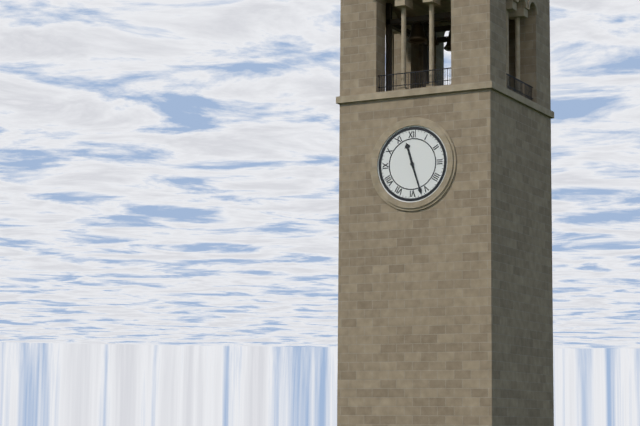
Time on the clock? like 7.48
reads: 11.27
